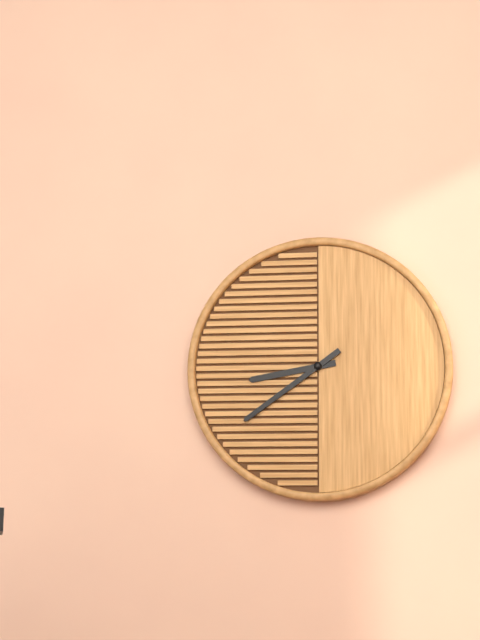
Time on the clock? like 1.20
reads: 8.39
